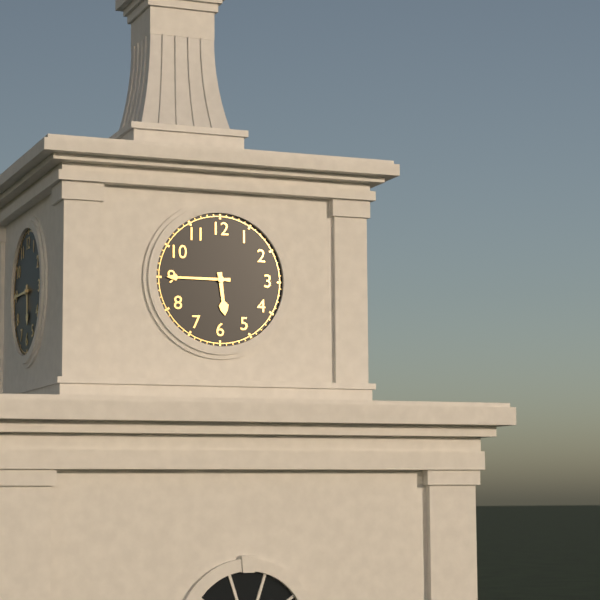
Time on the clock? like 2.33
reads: 5.45
